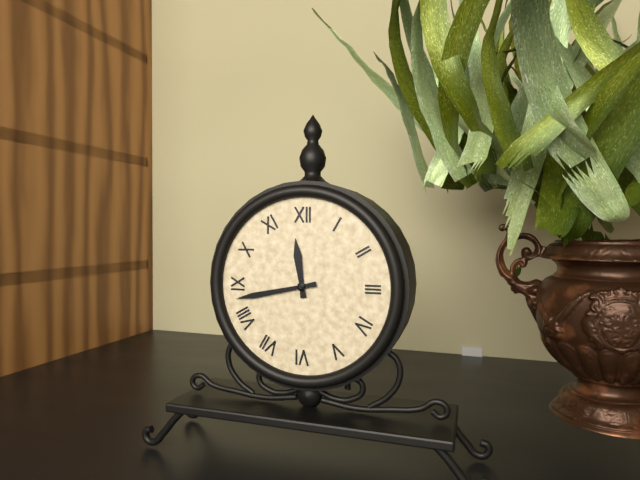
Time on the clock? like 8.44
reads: 11.43
